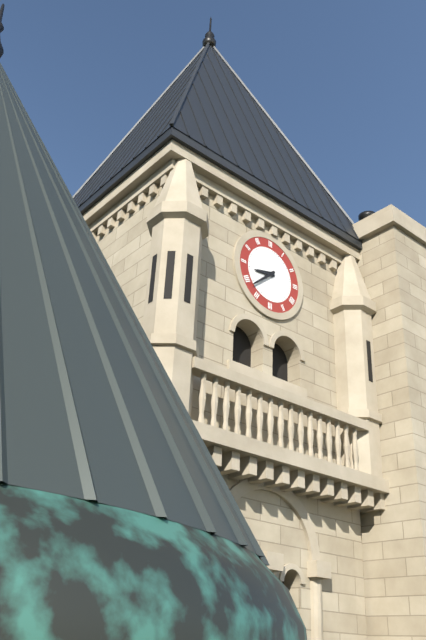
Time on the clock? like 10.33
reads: 8.38
